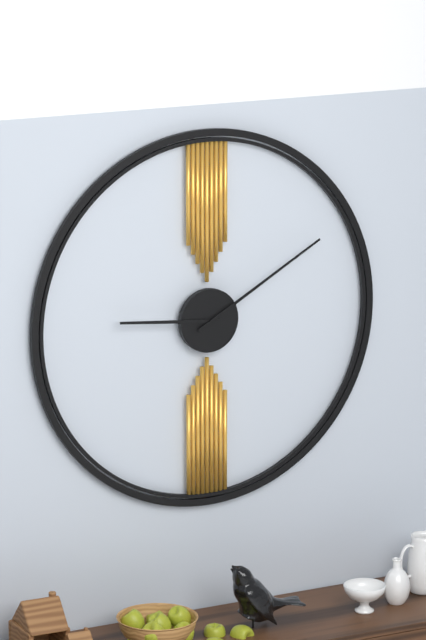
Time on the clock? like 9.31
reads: 9.10
